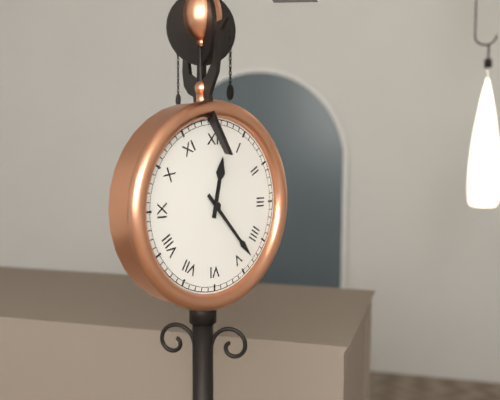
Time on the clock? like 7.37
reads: 12.23
